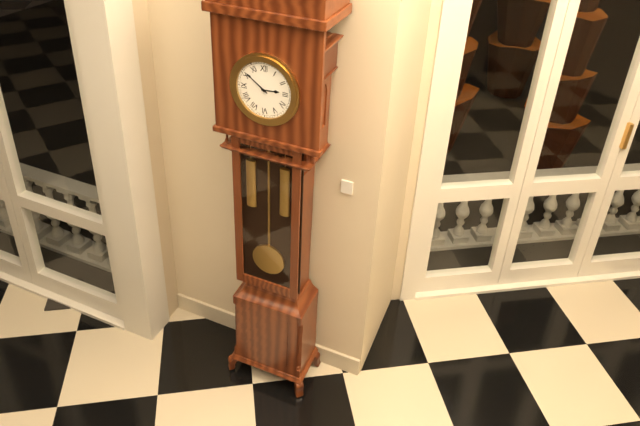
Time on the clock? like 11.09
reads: 2.51
